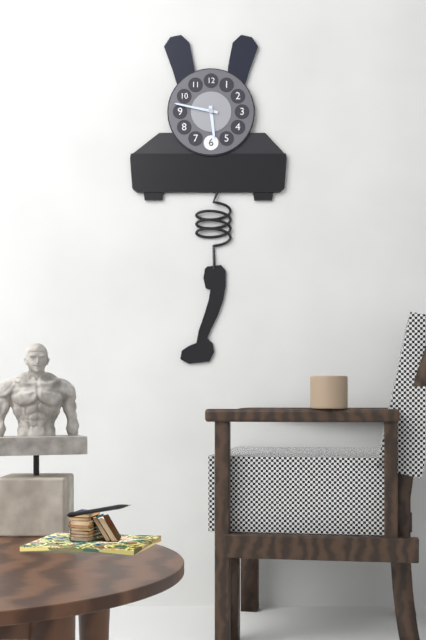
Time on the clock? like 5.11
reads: 5.47
